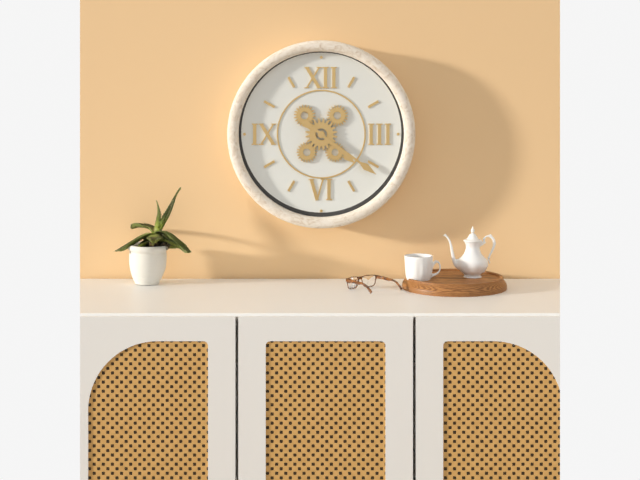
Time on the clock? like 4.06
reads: 4.21
